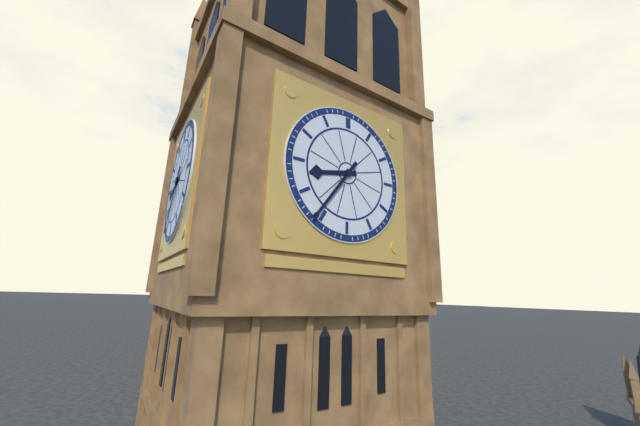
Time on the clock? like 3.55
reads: 8.36
